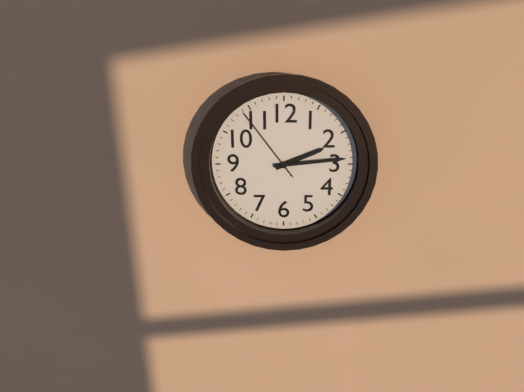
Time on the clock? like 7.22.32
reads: 2.14.54
